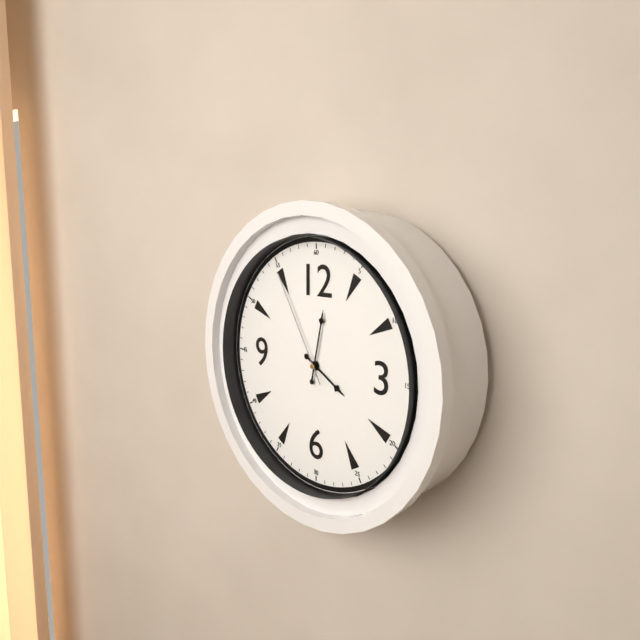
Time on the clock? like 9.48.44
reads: 4.02.55
